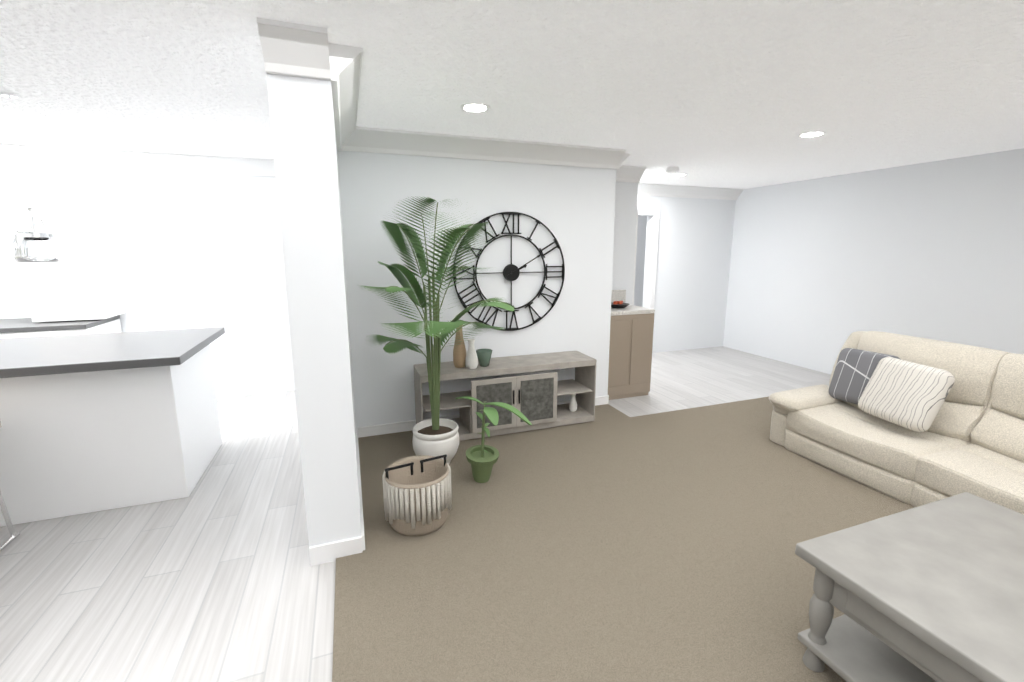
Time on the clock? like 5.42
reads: 2.10
